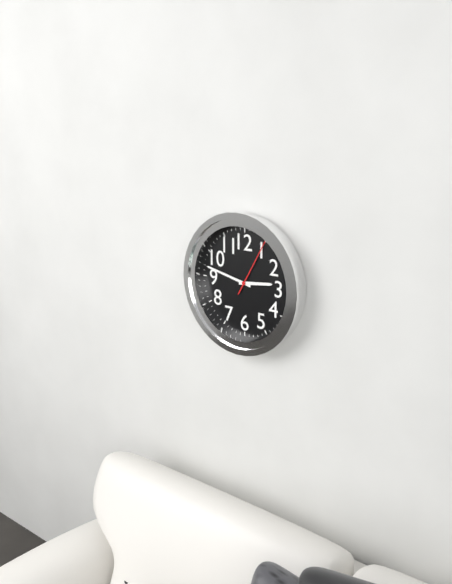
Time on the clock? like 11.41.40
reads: 2.47.05
